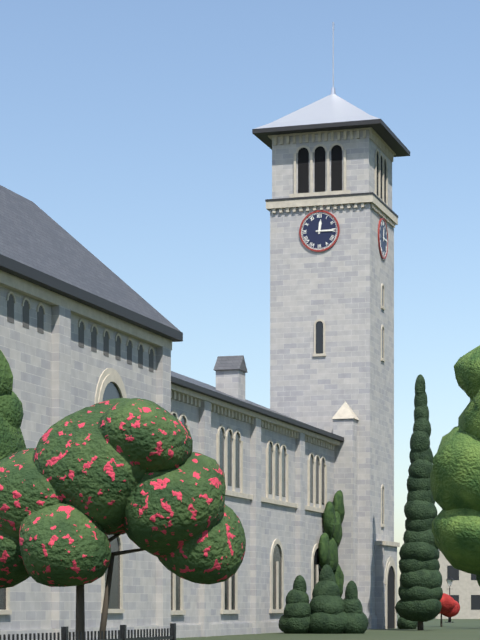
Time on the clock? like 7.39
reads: 12.15
